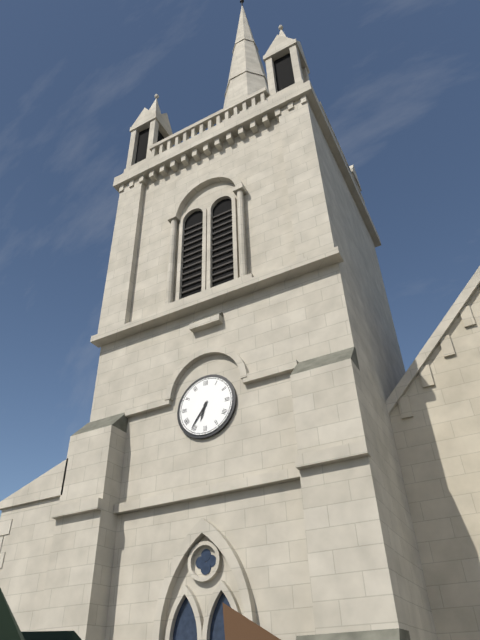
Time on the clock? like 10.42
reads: 6.36
